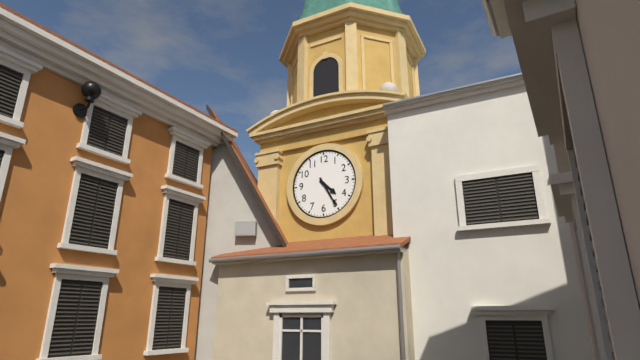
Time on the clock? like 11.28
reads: 4.25
